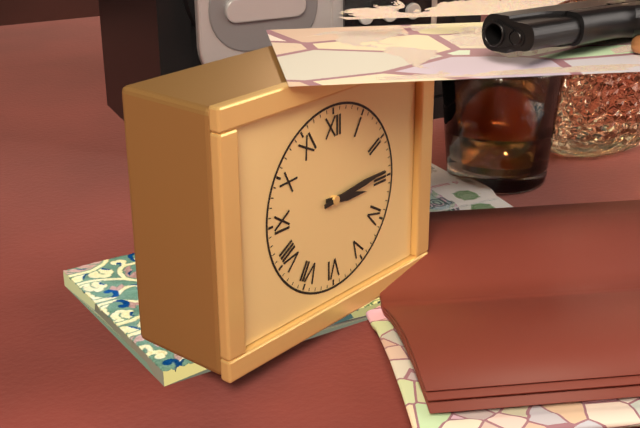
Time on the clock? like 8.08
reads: 3.14
